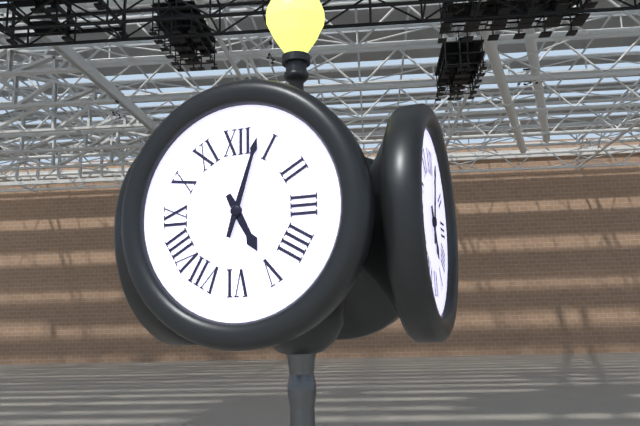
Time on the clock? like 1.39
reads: 5.03
